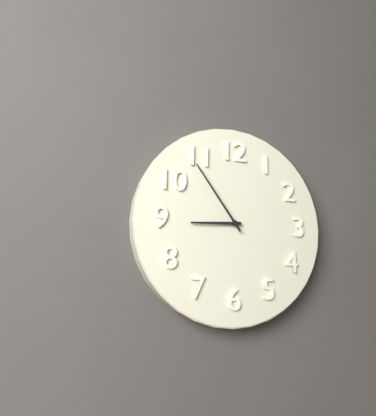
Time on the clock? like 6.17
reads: 8.54
